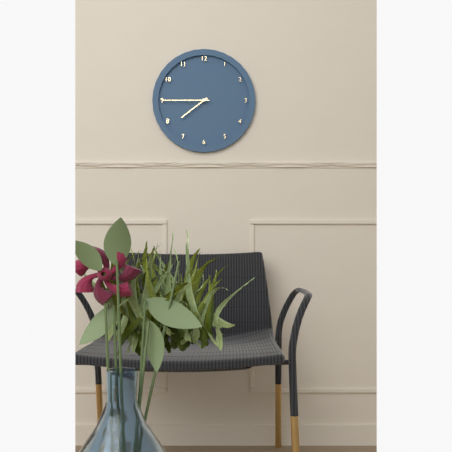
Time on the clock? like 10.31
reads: 7.45
